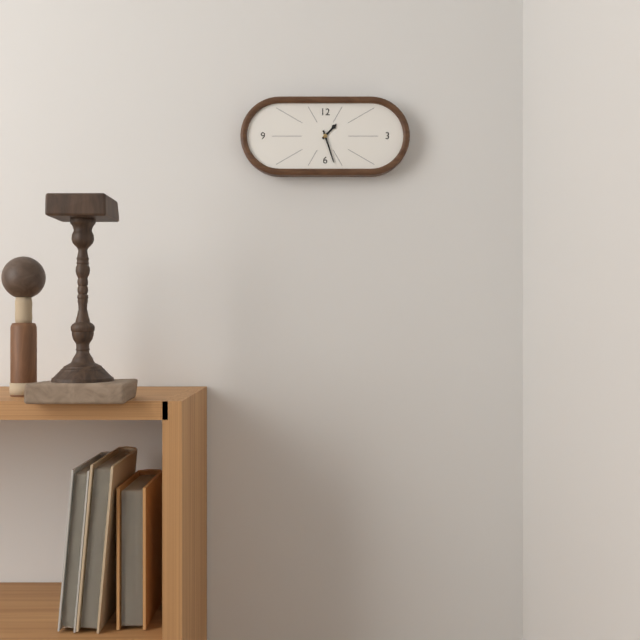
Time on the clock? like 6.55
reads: 1.27
